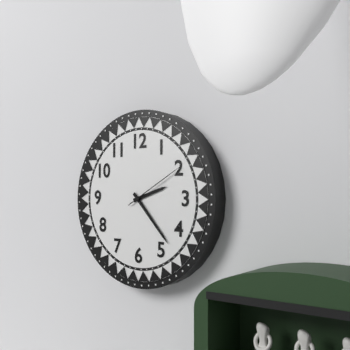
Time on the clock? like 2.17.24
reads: 2.23.10
